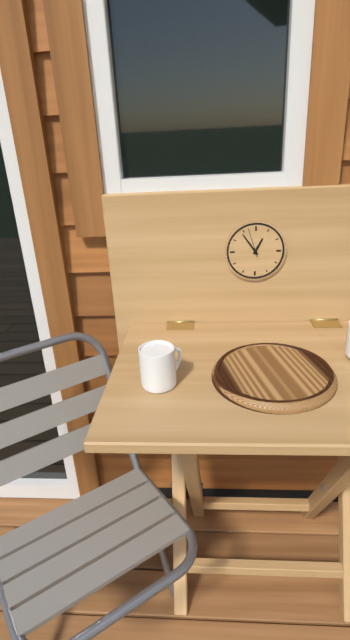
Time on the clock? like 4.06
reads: 12.54
